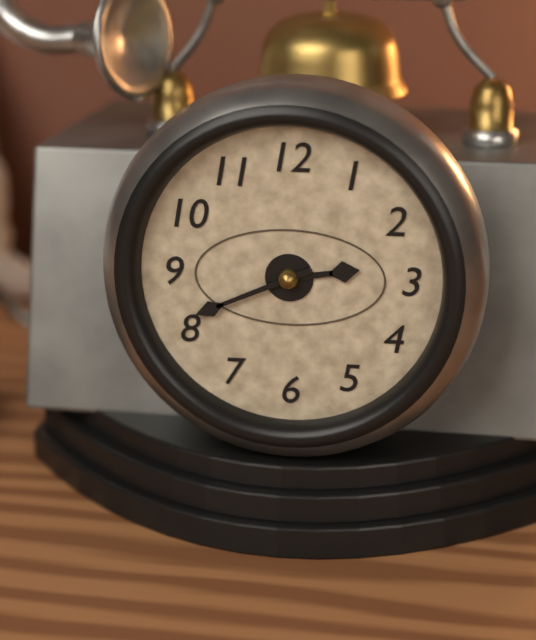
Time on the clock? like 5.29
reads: 2.41
